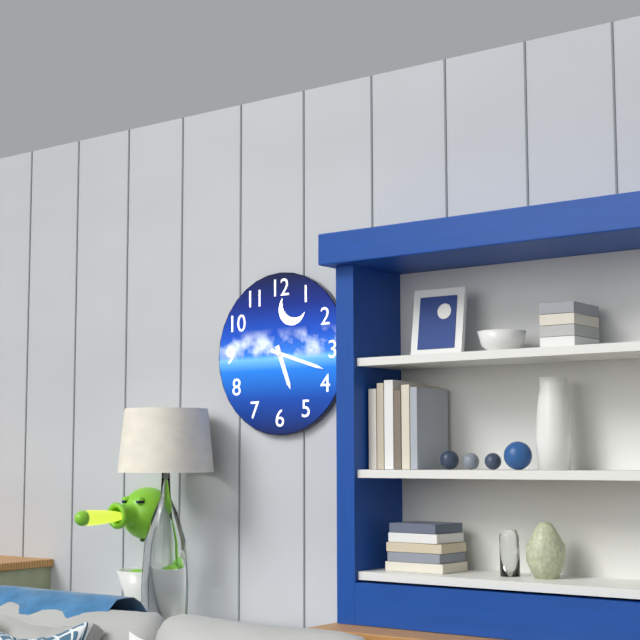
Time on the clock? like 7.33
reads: 5.18
